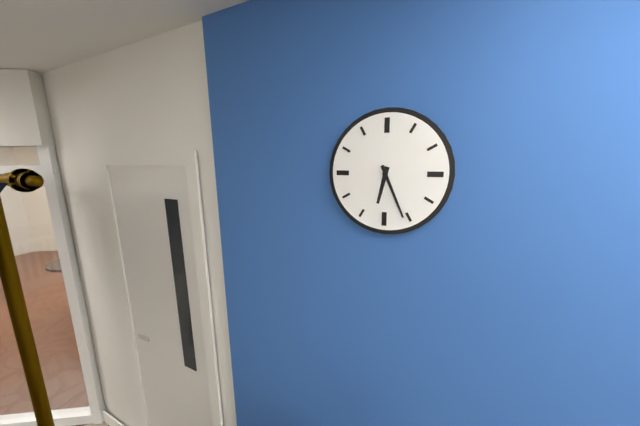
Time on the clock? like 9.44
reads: 6.26
